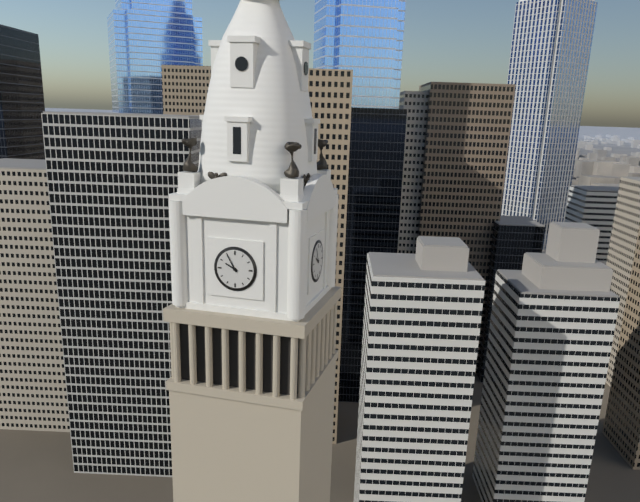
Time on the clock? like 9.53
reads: 9.55
